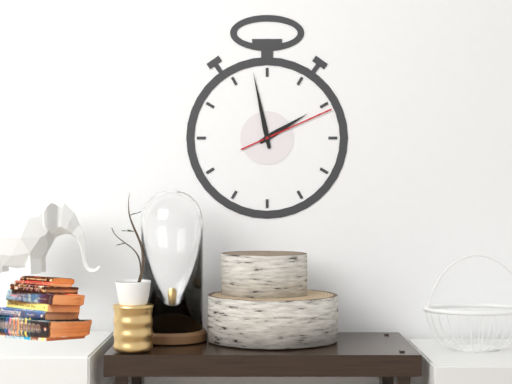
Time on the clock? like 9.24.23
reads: 1.58.11
